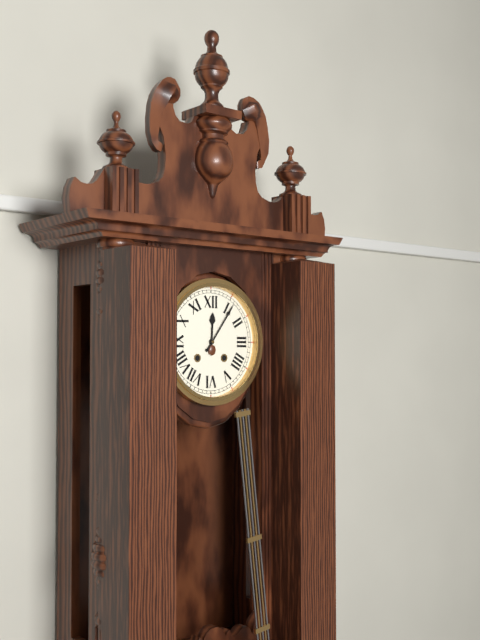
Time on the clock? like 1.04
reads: 12.06
